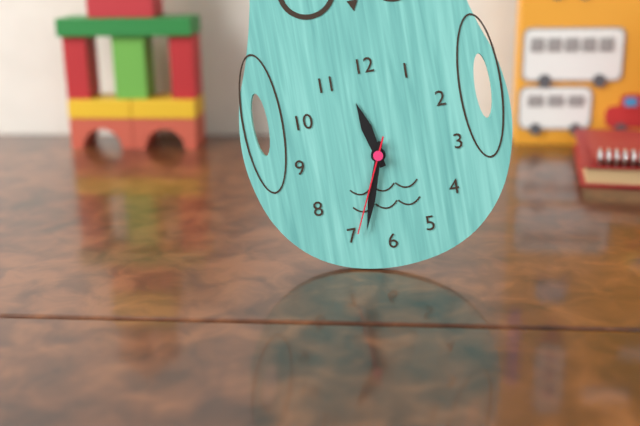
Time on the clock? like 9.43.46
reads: 11.33.34
